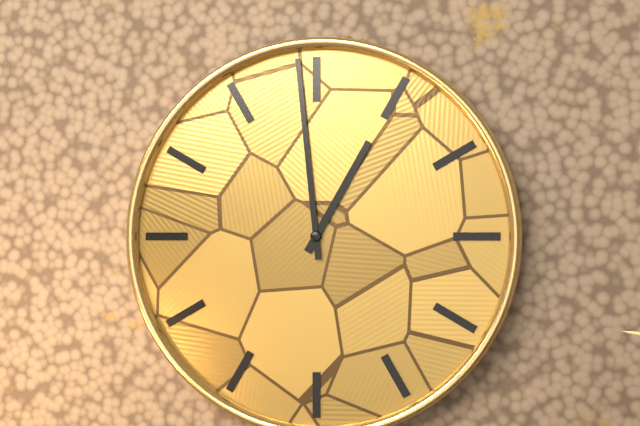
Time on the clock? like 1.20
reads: 12.59
